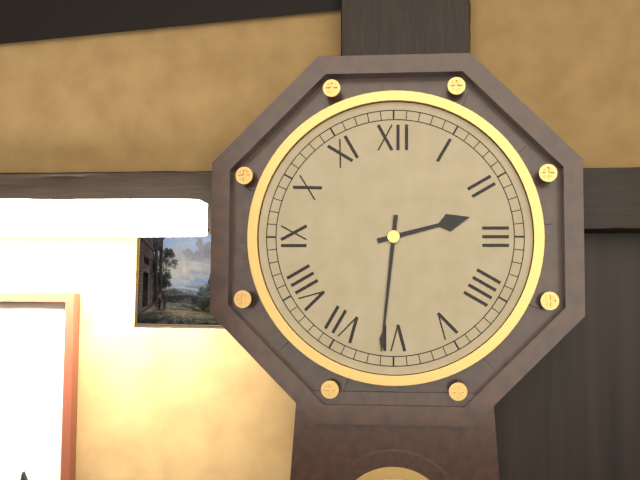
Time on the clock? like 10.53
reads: 2.31
